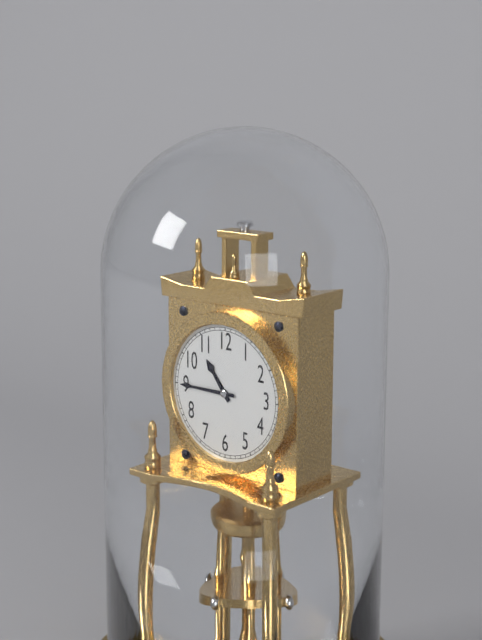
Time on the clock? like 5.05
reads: 10.45
